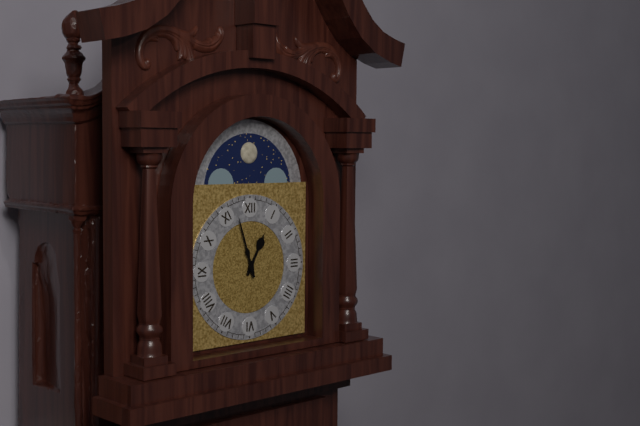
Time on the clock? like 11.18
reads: 12.57
